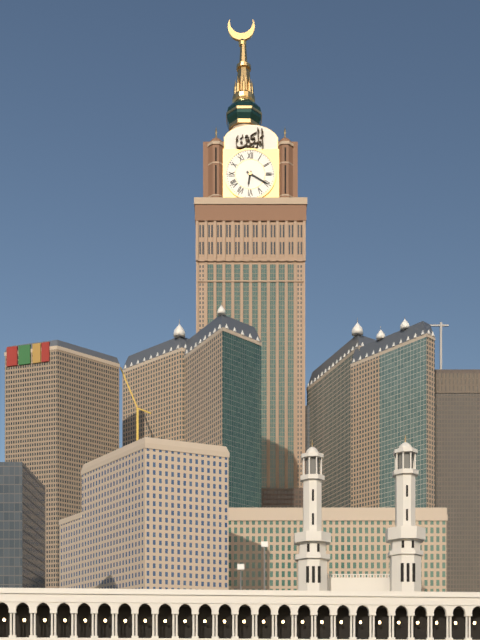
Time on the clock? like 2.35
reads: 6.20
